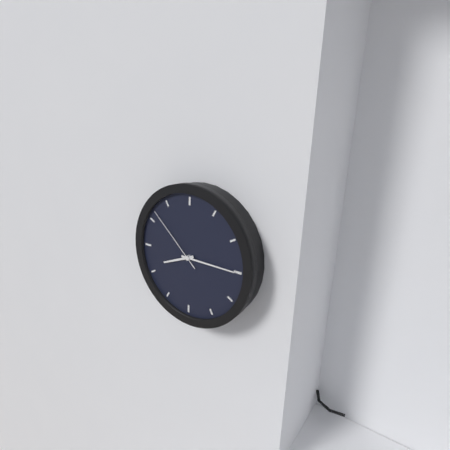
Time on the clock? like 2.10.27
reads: 8.15.52
